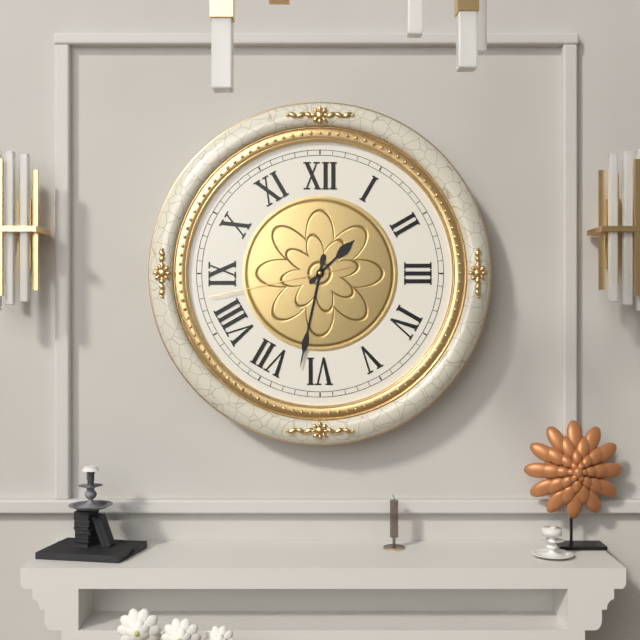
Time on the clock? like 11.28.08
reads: 1.32.43
